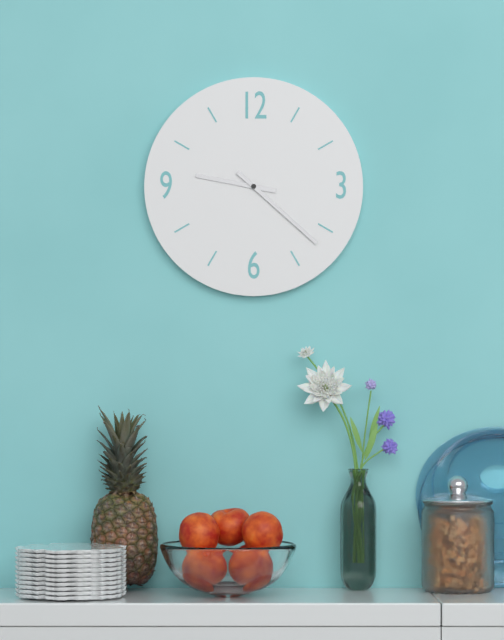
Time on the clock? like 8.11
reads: 9.22
